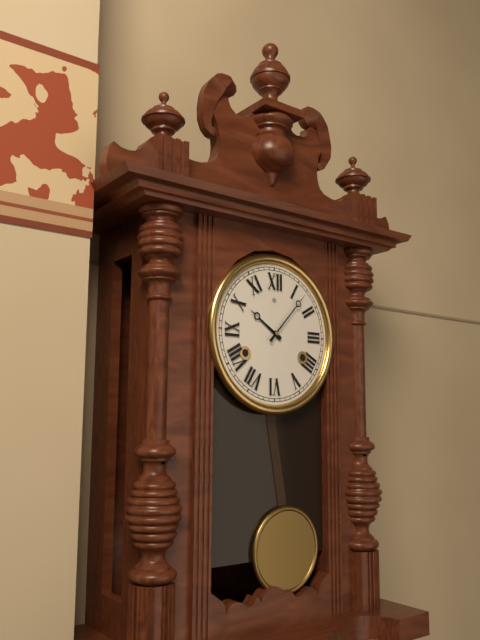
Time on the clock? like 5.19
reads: 10.07
